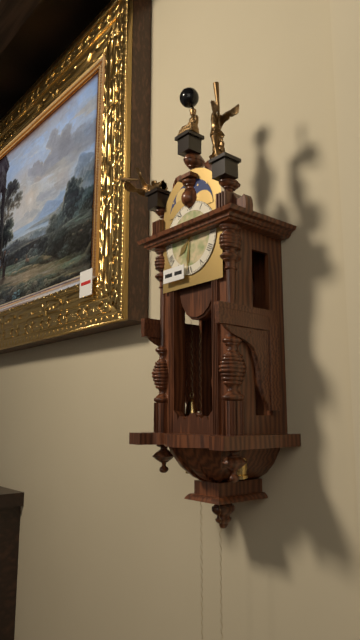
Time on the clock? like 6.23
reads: 7.31
